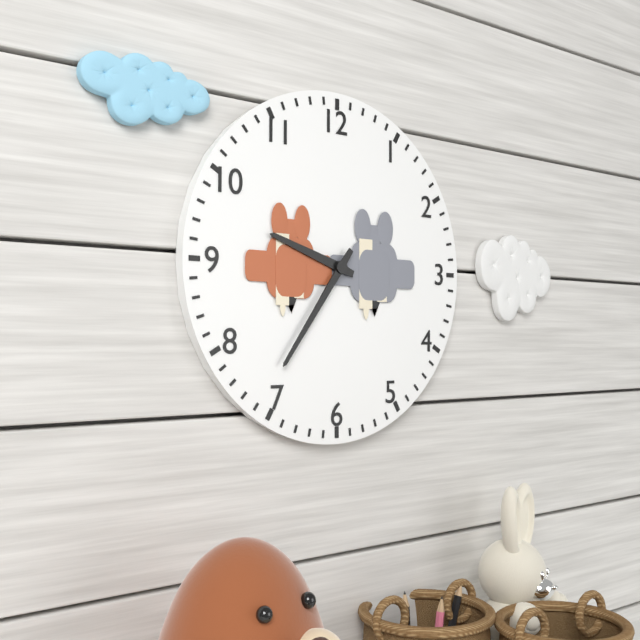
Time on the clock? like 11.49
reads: 9.36
